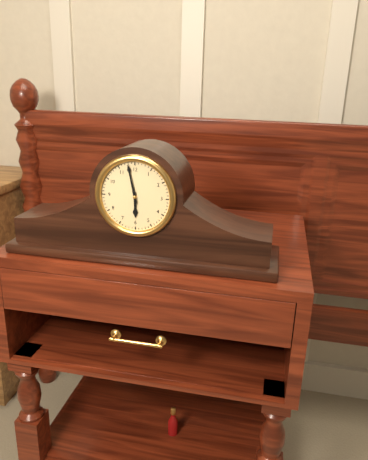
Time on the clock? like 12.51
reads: 5.58
